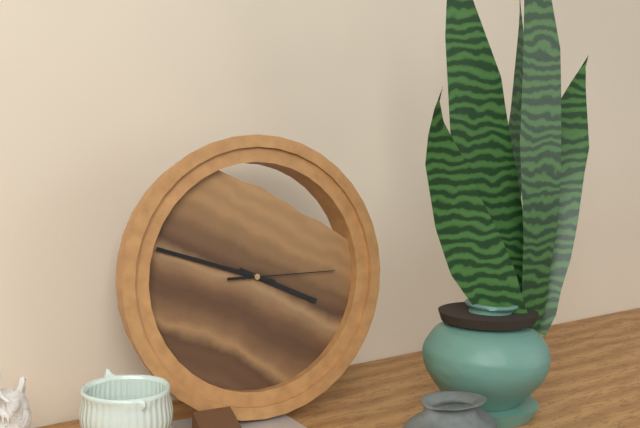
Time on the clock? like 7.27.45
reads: 3.48.15
